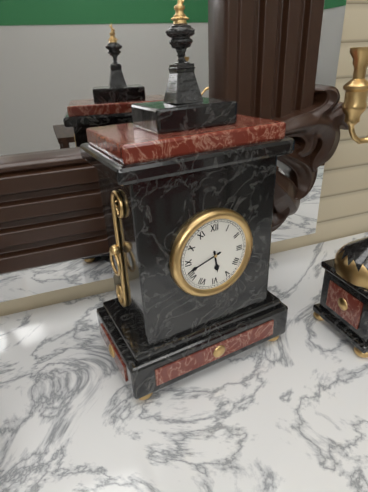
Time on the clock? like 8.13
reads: 5.42
